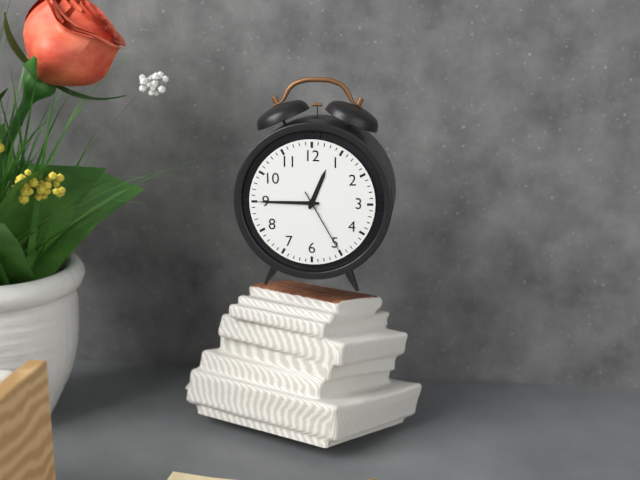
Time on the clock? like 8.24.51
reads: 12.45.25
